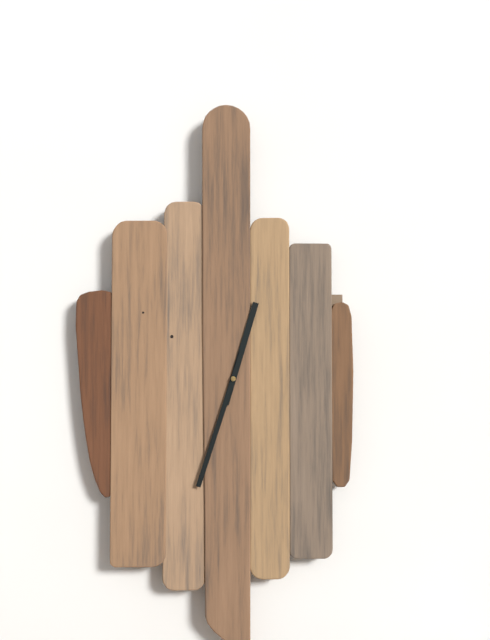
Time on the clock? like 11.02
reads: 12.33
